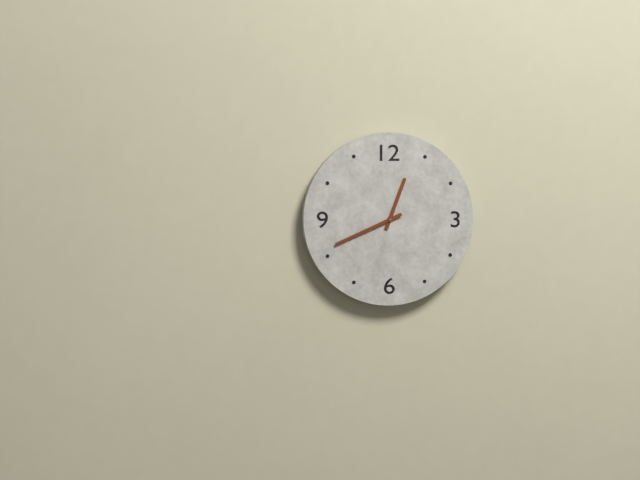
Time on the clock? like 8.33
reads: 12.41
